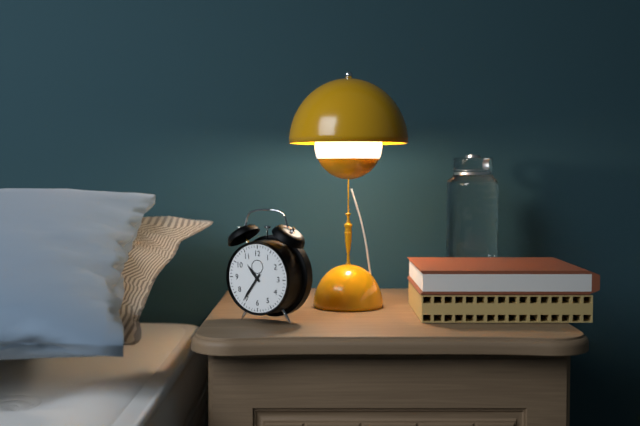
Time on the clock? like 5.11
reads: 10.36
